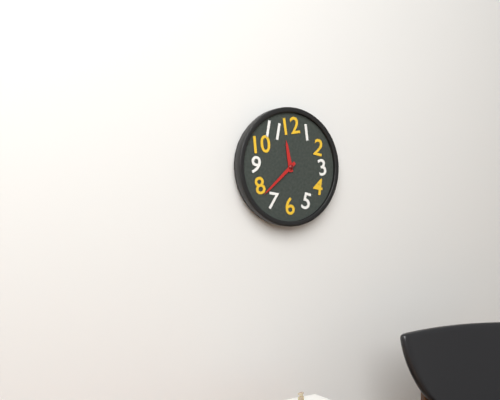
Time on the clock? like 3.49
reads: 11.38
